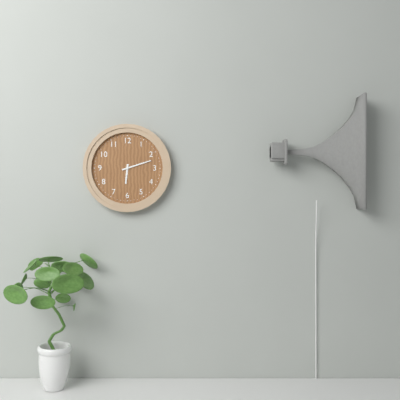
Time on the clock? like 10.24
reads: 6.12
